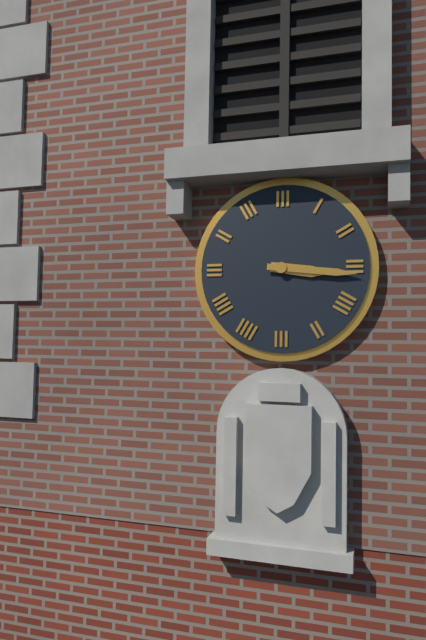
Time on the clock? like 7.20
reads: 3.16
